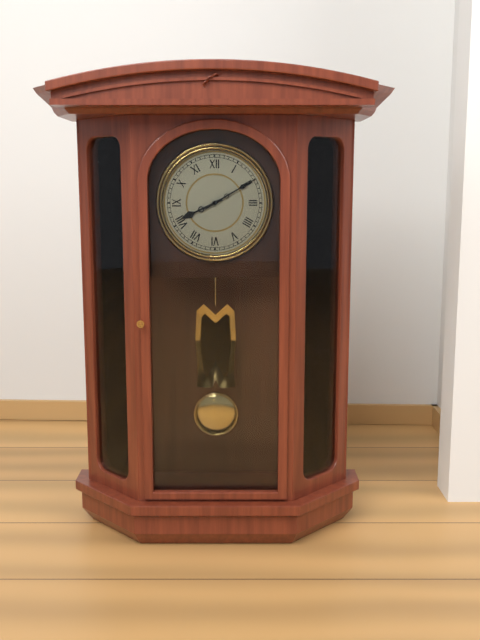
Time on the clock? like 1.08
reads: 8.10
